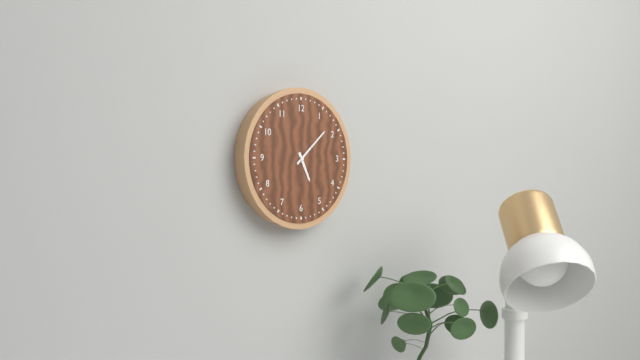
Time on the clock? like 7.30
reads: 5.08
